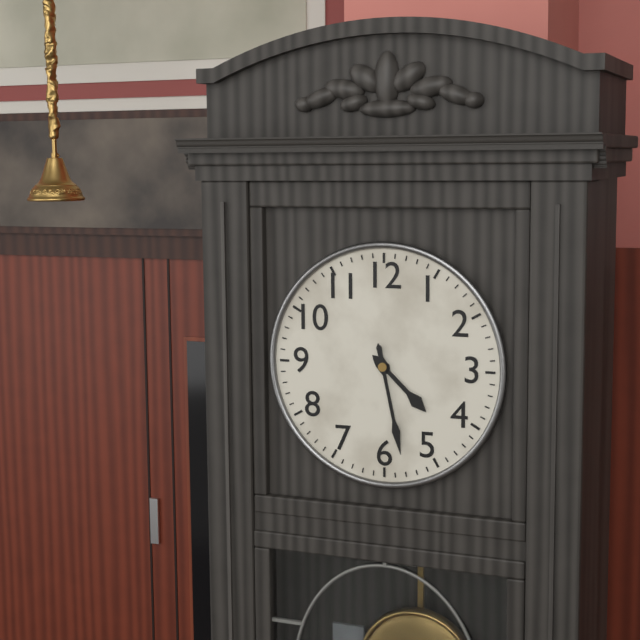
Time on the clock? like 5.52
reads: 4.28
